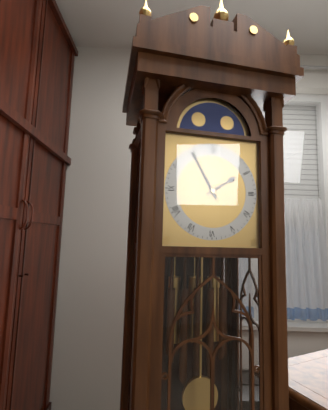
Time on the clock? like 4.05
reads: 1.55
